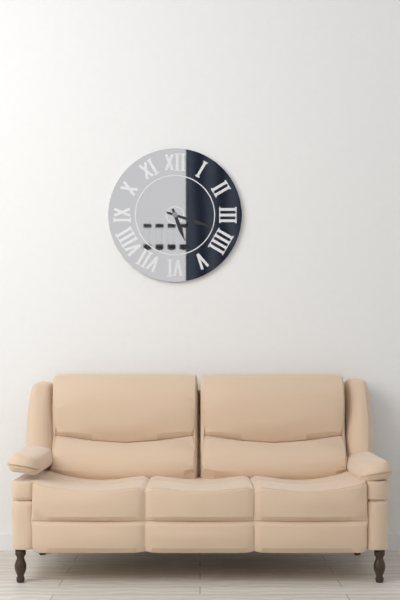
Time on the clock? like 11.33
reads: 5.18
